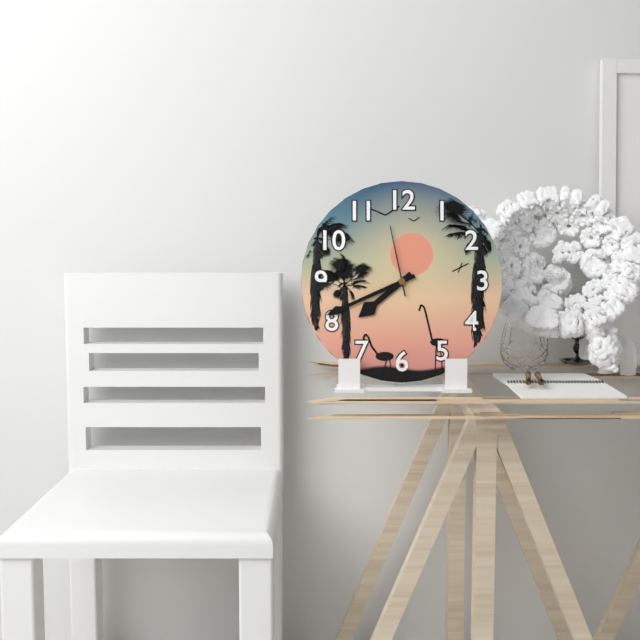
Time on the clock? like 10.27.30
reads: 7.41.58
